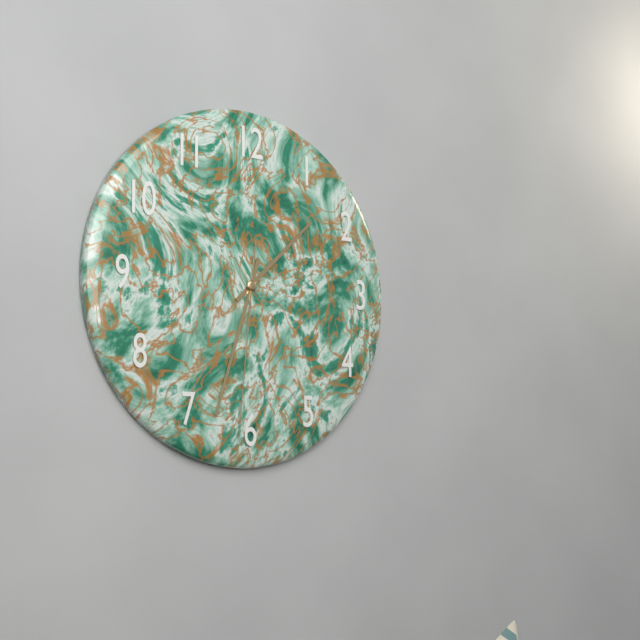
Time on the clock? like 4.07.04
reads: 1.33.31
